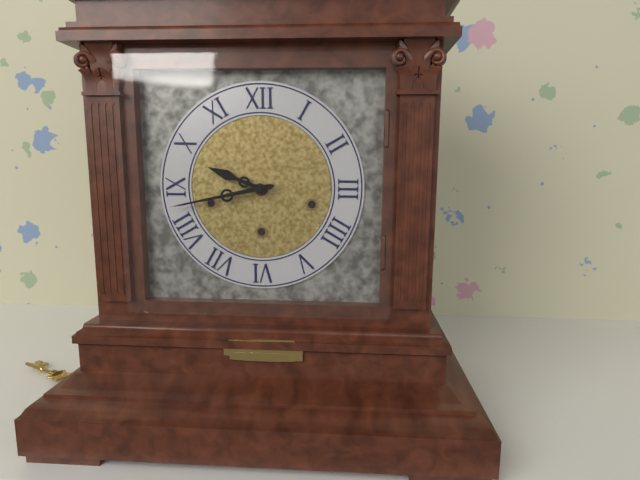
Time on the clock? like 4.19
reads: 9.43
